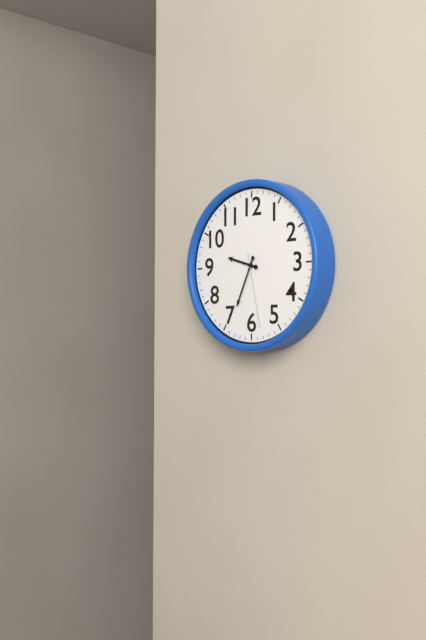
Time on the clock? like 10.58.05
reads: 9.34.28
